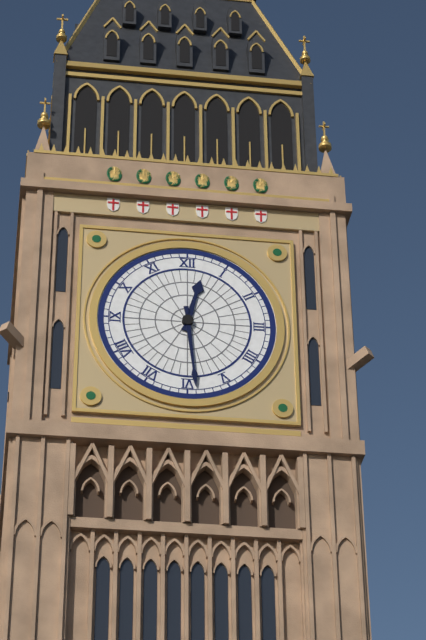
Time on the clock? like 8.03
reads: 12.29
